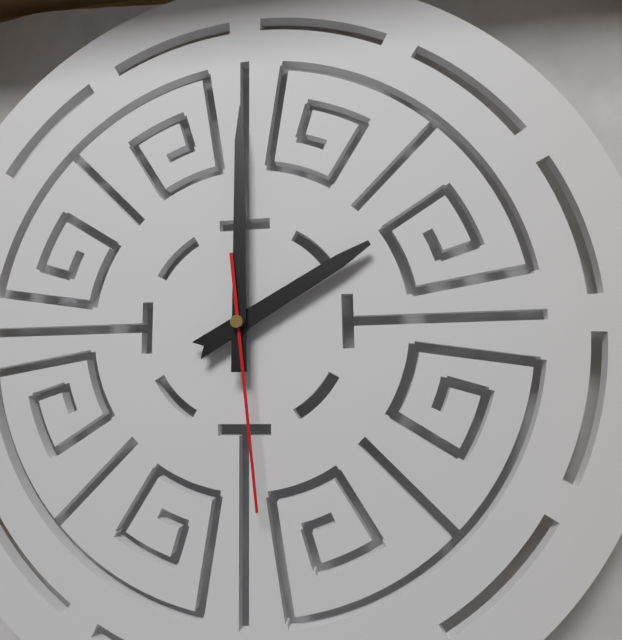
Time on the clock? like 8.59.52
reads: 2.00.29
